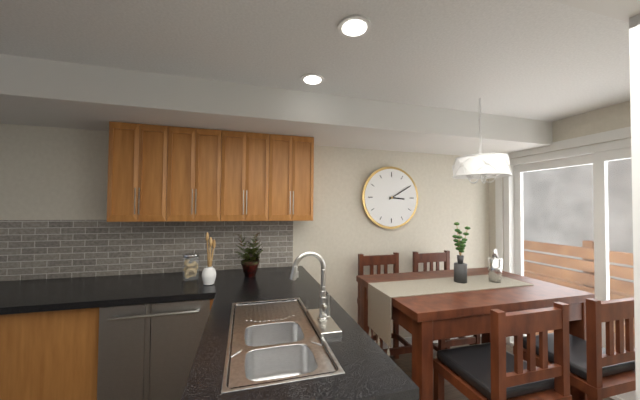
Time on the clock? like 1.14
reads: 3.10
